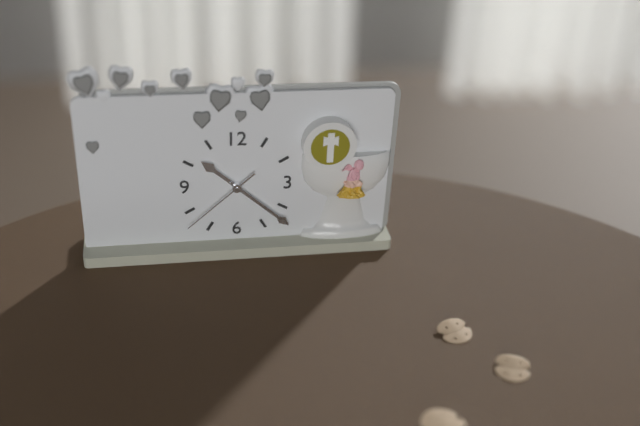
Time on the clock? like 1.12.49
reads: 10.22.38
